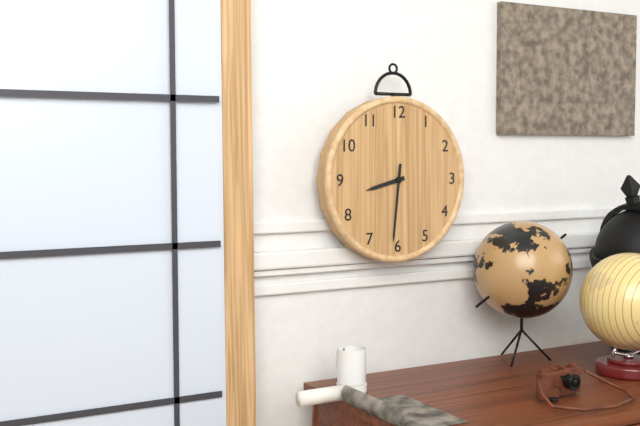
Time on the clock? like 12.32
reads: 8.31
